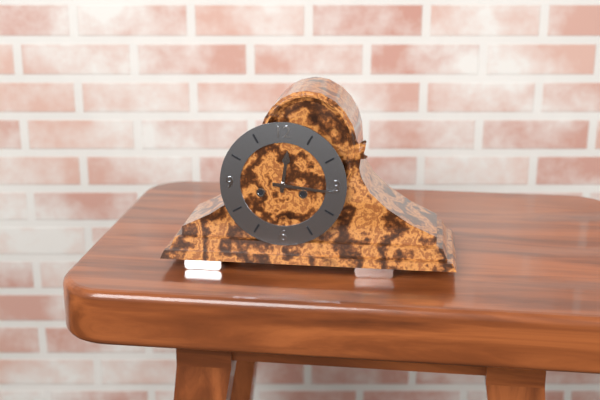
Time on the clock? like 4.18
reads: 12.16
